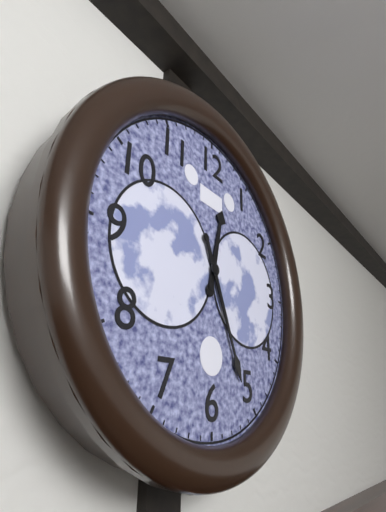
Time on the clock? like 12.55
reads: 12.26
